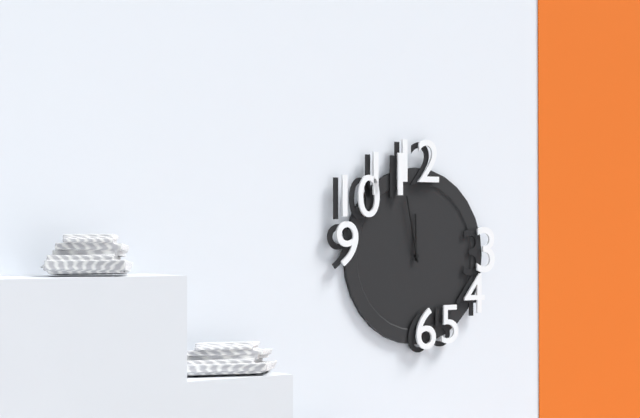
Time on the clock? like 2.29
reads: 11.58
